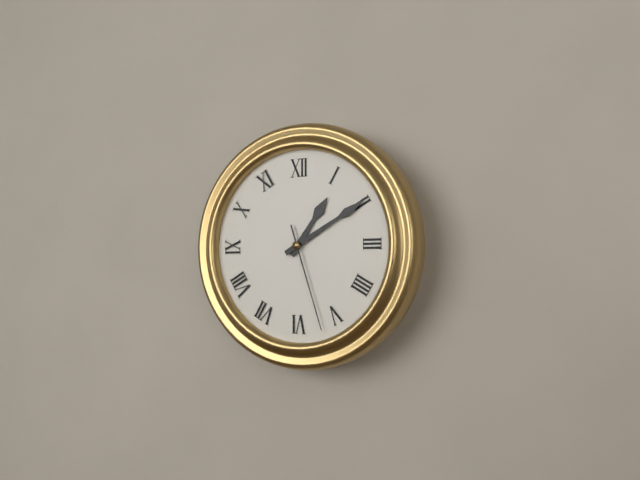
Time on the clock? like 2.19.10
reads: 1.10.27
